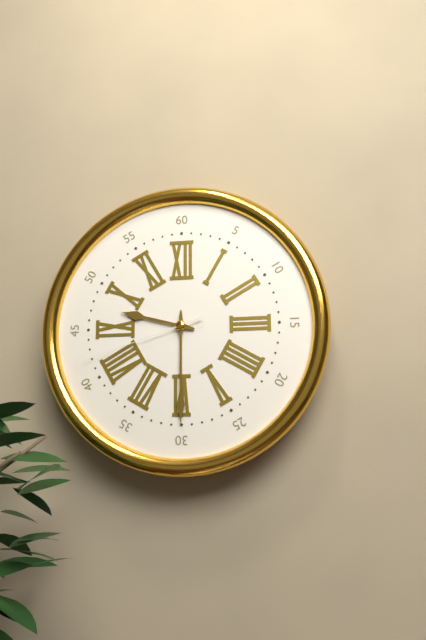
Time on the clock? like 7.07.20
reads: 9.30.42
